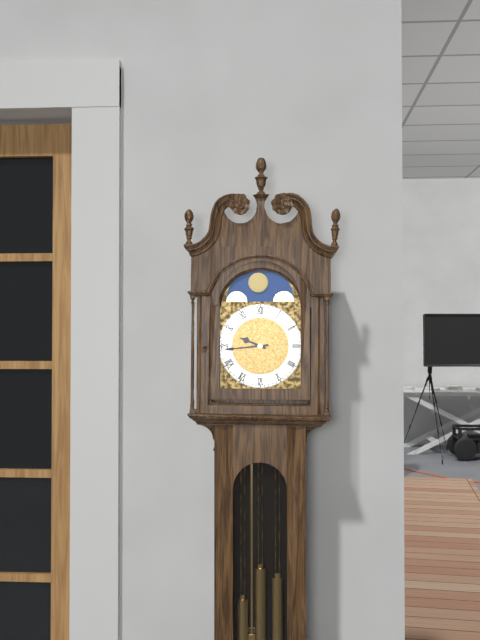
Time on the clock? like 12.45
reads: 9.44
